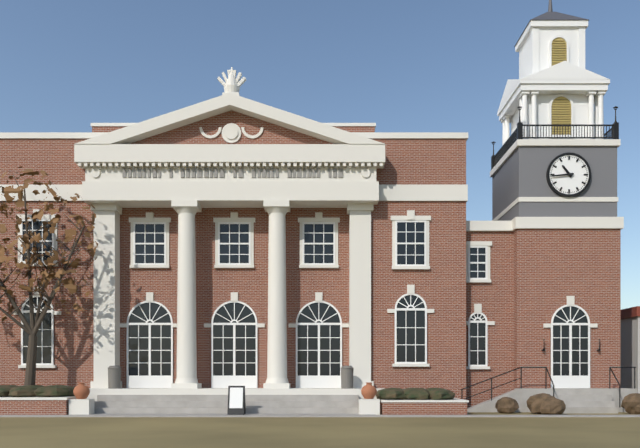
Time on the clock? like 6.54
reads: 10.44
